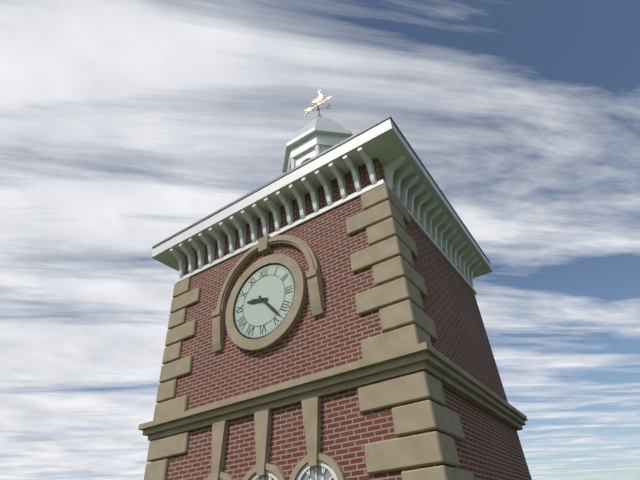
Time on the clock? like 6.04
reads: 9.23
